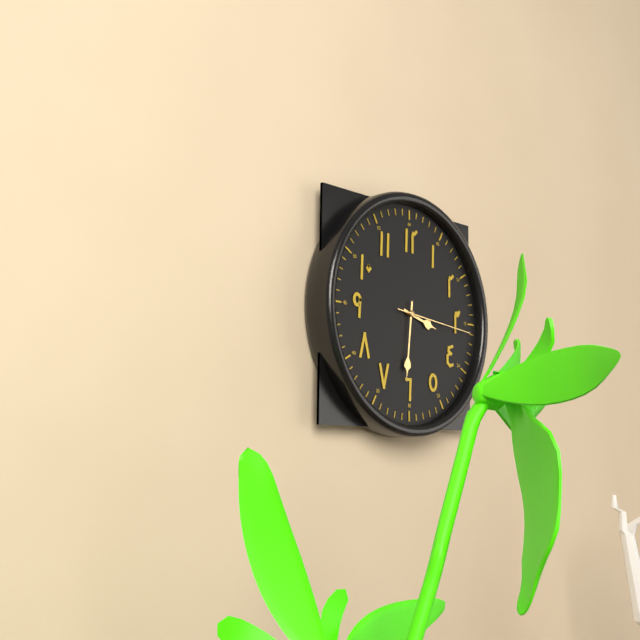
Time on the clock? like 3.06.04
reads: 3.31.16
